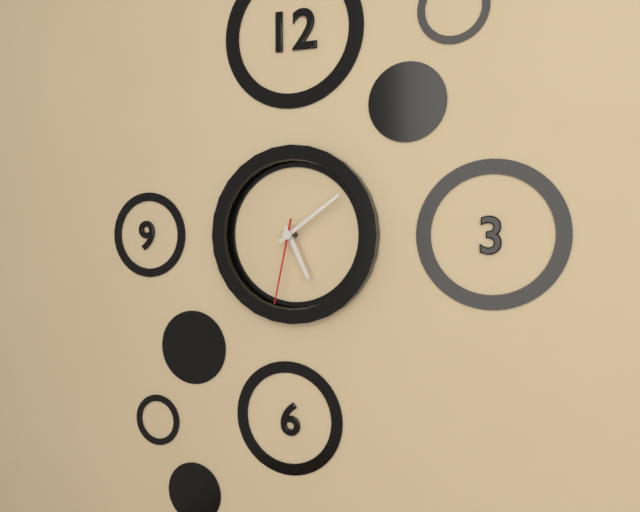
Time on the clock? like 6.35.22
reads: 5.09.32
